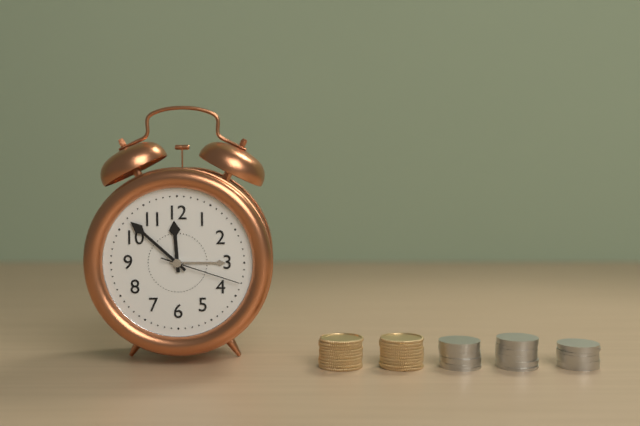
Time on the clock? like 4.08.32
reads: 11.52.18
